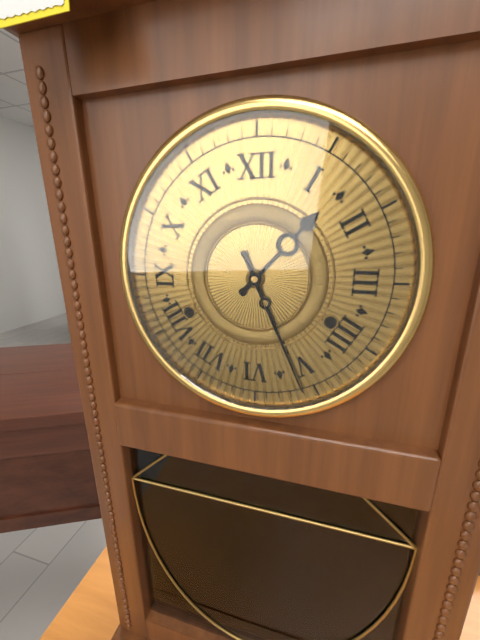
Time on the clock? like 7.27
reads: 1.26
